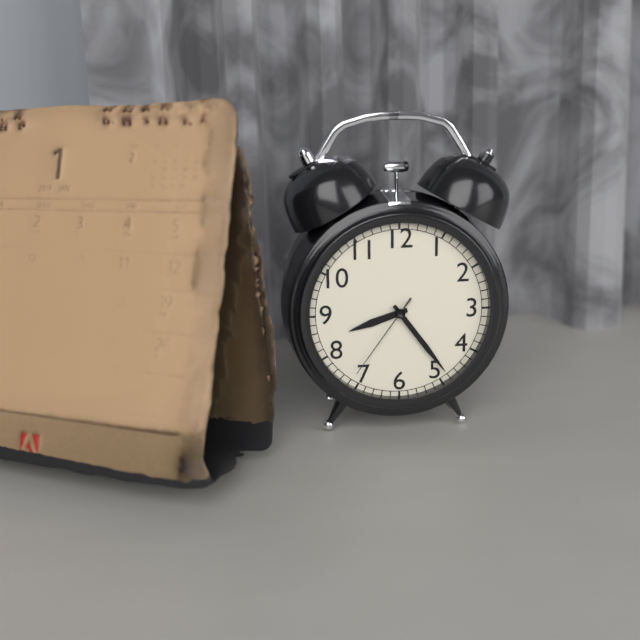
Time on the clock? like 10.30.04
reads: 8.24.36
